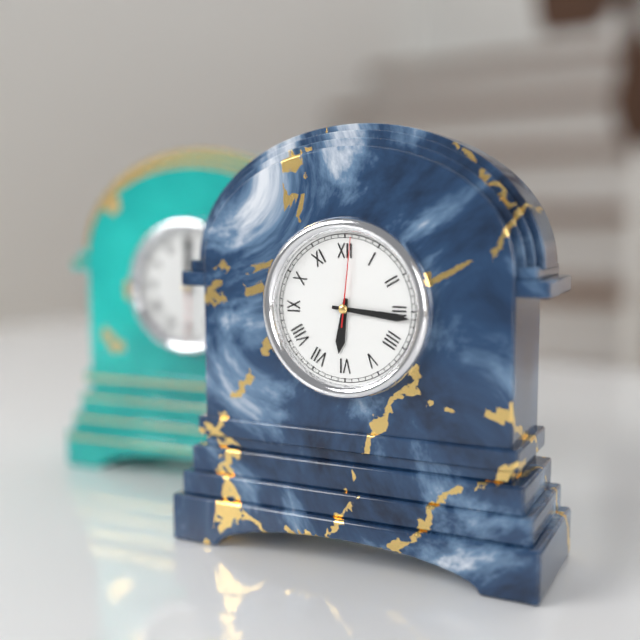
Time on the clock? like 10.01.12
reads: 6.16.01
